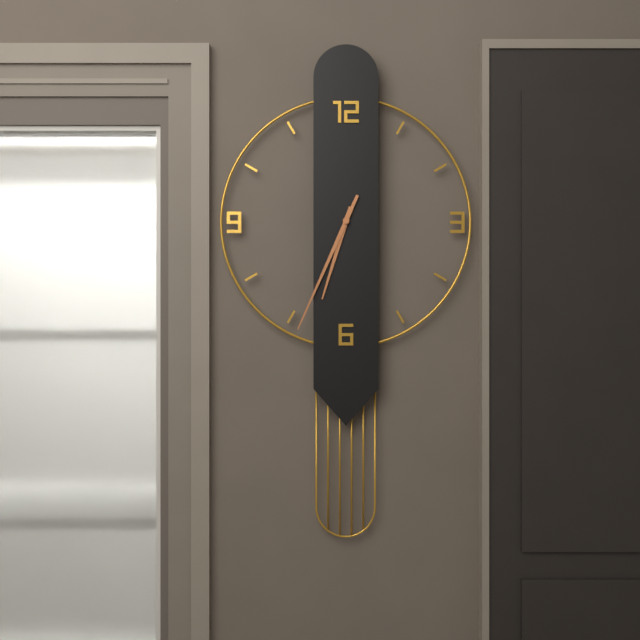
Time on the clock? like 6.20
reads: 6.34
